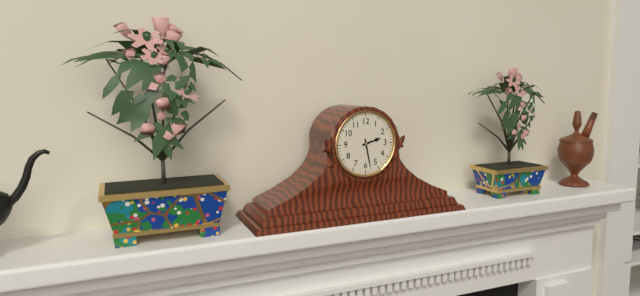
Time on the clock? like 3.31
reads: 2.28
